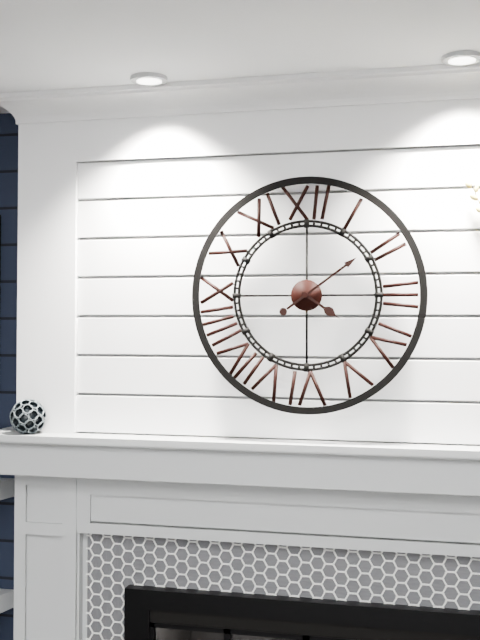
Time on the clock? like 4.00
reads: 4.09
